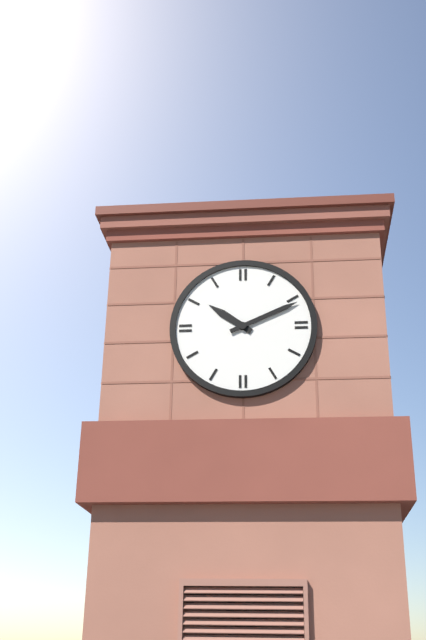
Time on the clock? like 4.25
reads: 10.11
